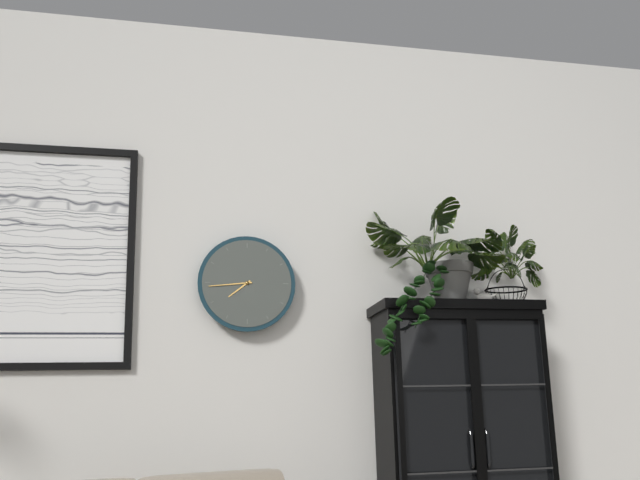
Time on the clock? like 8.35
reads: 7.44
